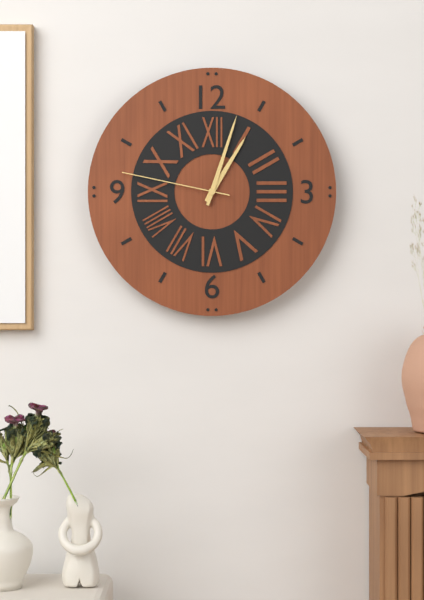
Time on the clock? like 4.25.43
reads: 1.03.47
